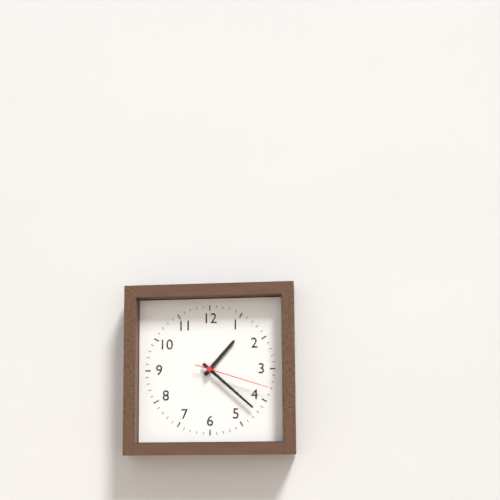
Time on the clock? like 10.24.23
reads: 1.22.18
